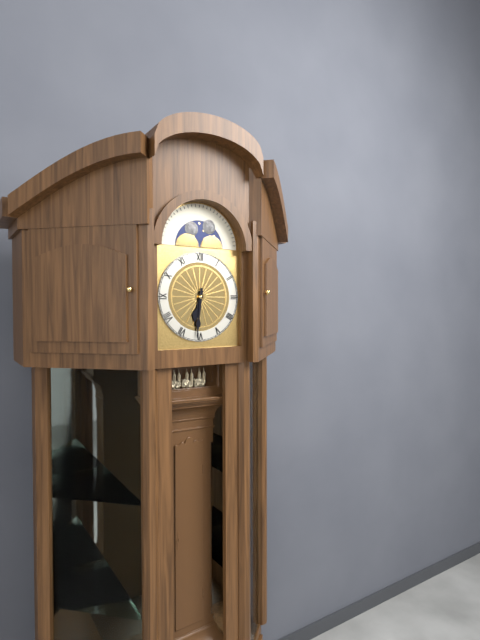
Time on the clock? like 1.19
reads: 6.31
